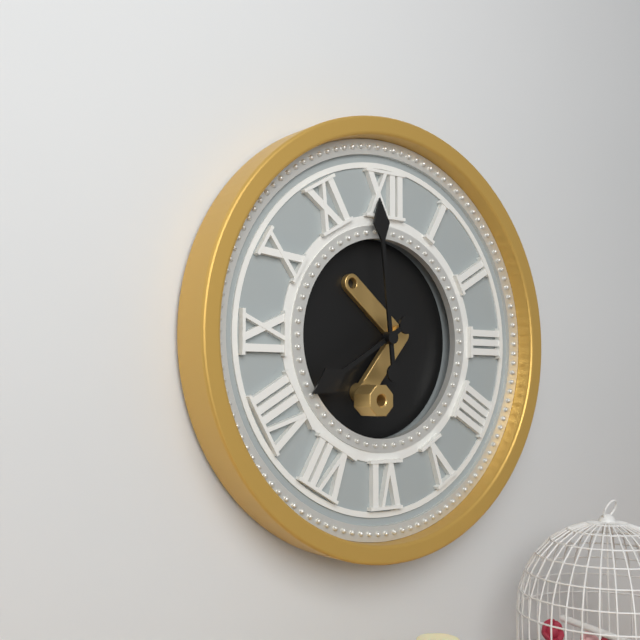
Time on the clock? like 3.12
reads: 7.59
